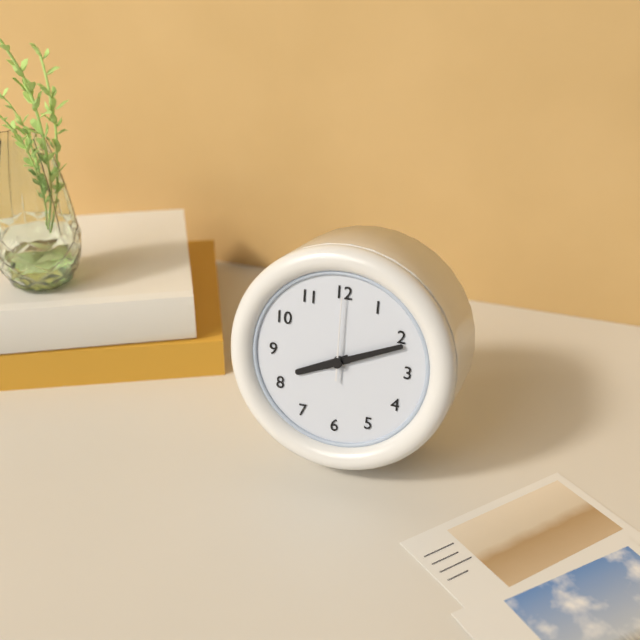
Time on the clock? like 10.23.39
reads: 8.11.00
